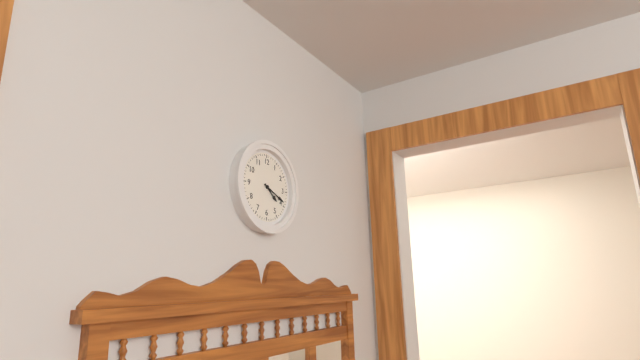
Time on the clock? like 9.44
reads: 4.19
